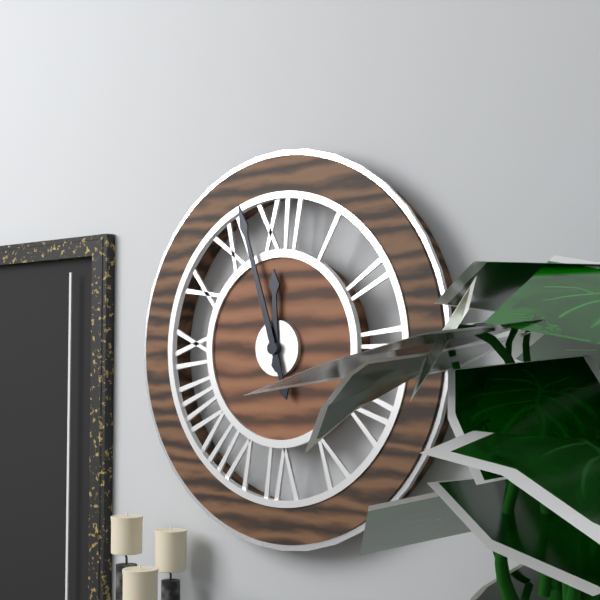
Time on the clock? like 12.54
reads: 11.57
